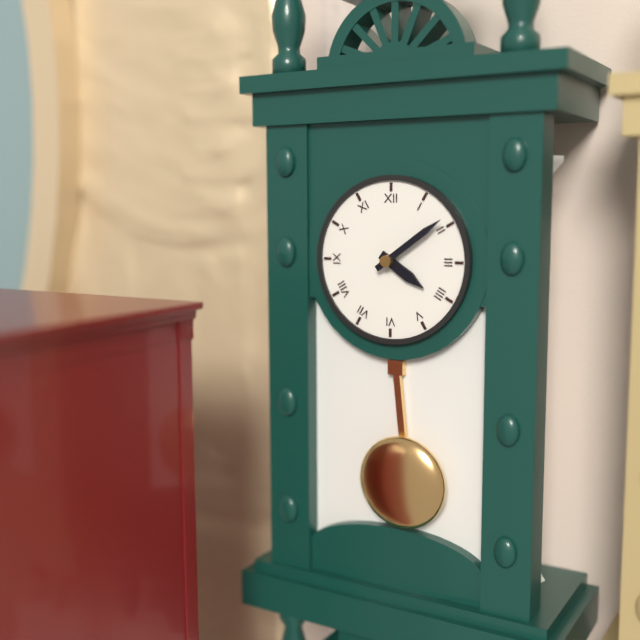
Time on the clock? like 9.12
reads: 4.09
